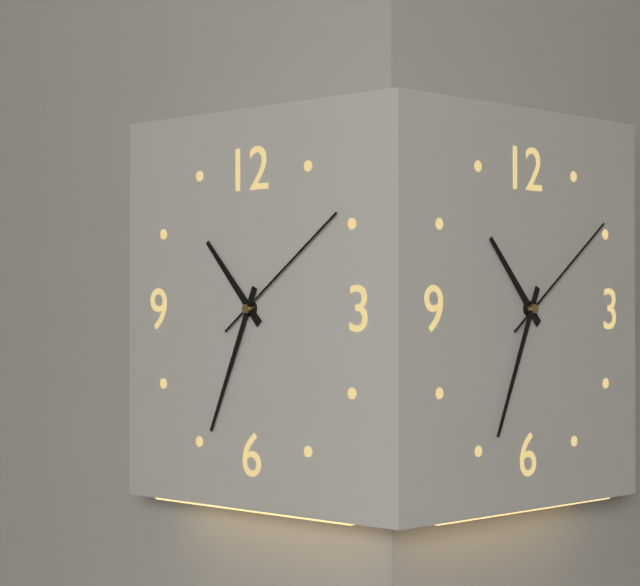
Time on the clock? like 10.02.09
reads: 10.34.09
